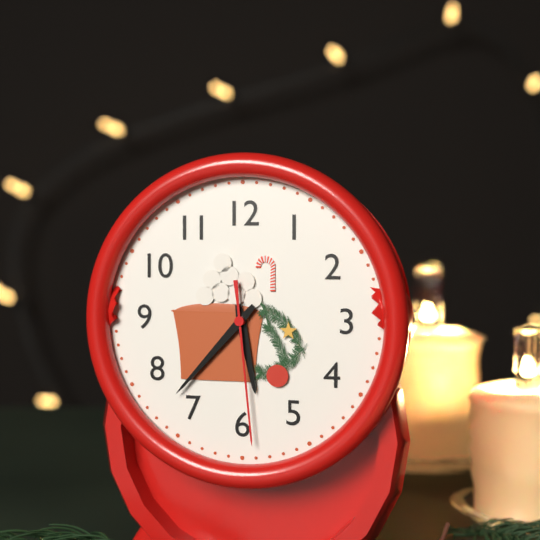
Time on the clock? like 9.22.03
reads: 5.37.29
